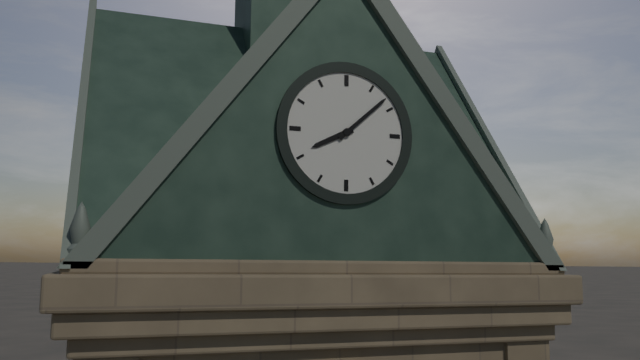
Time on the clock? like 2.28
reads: 8.08
